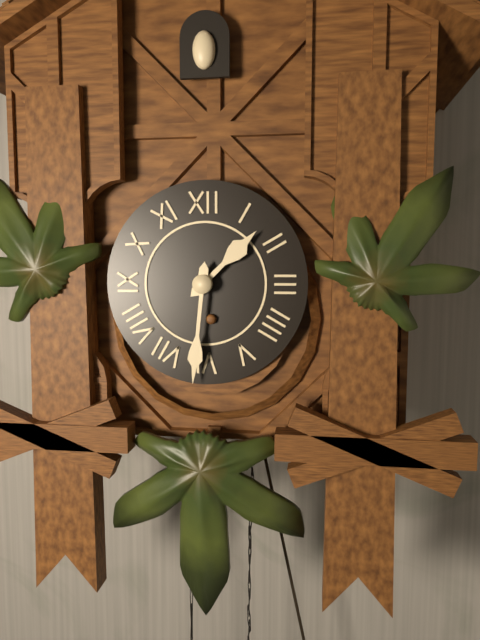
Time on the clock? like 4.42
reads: 1.31
